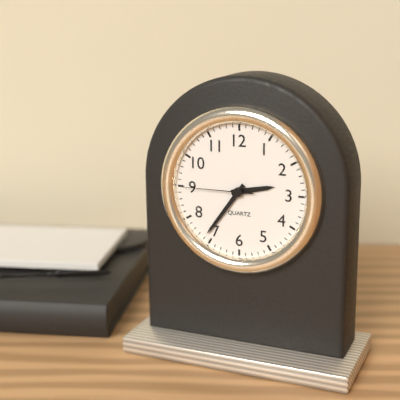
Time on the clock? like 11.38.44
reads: 2.36.45
